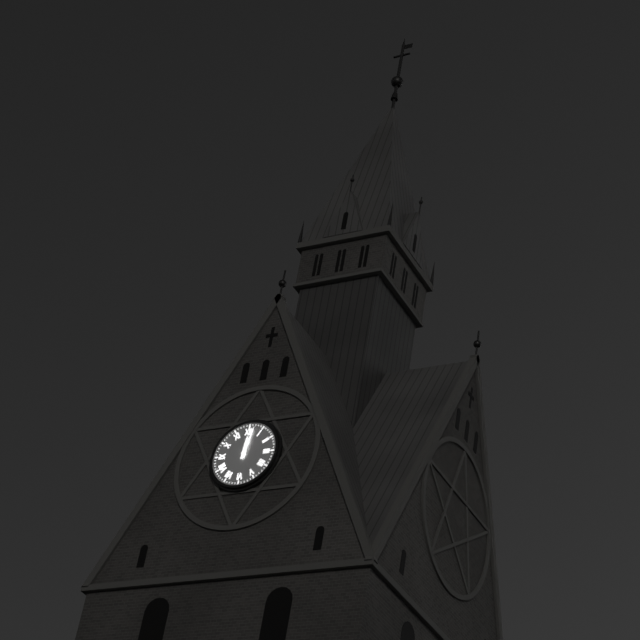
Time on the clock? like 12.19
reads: 12.02
